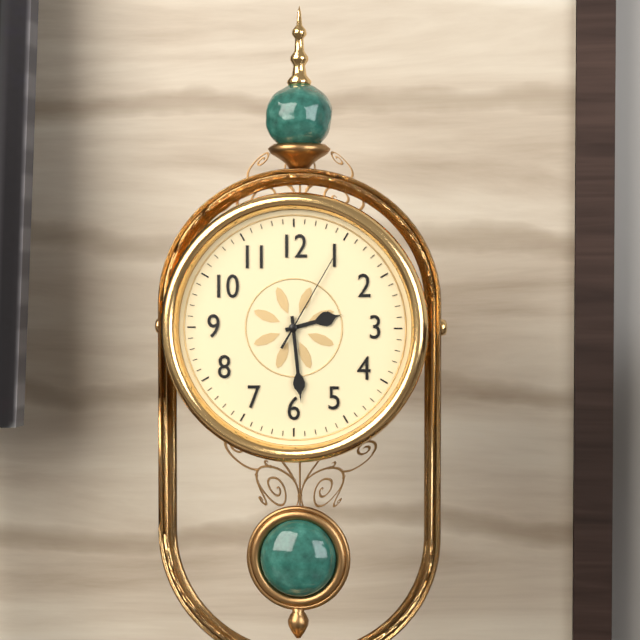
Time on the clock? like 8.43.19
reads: 2.29.05
